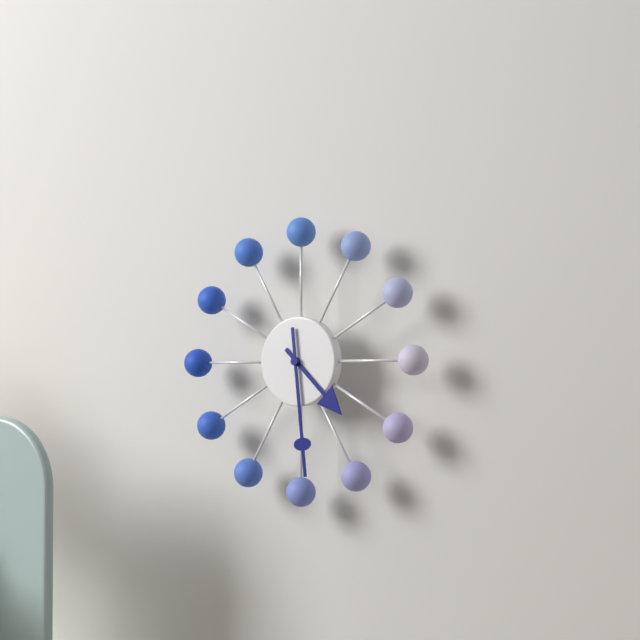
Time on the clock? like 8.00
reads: 4.29
